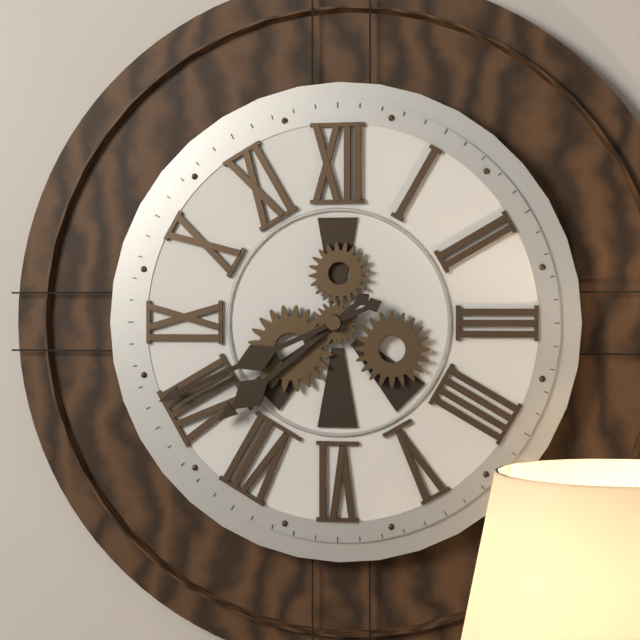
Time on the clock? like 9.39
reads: 7.41
